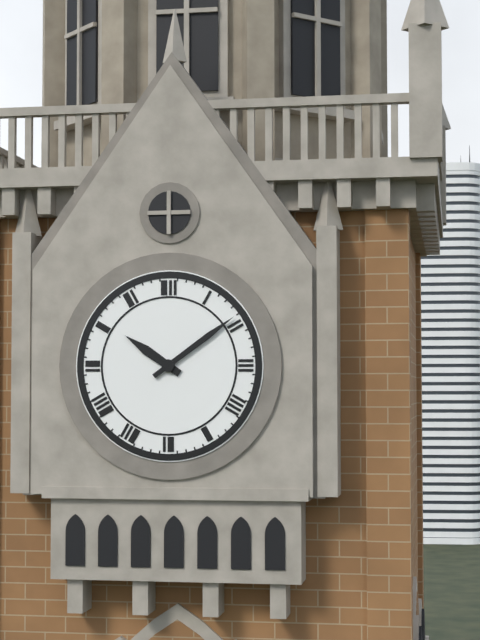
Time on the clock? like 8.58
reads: 10.09
